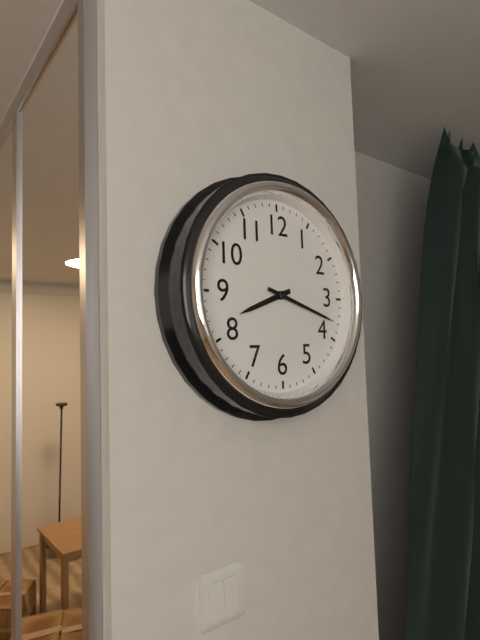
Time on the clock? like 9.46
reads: 8.18
